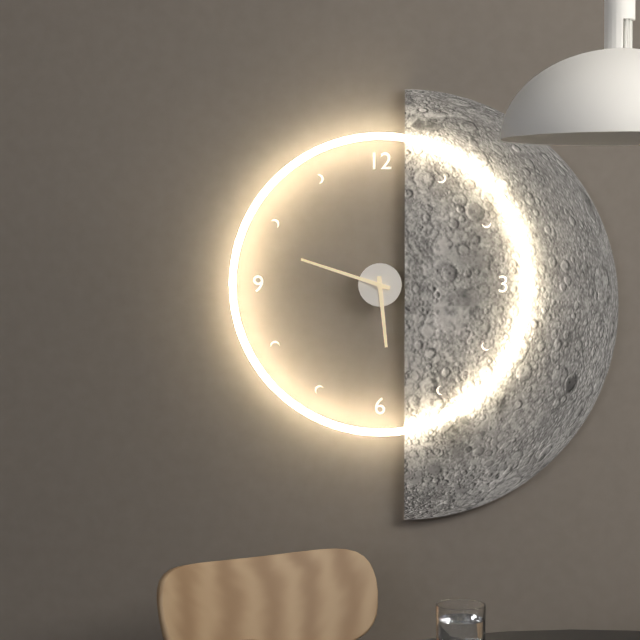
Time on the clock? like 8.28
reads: 5.48
